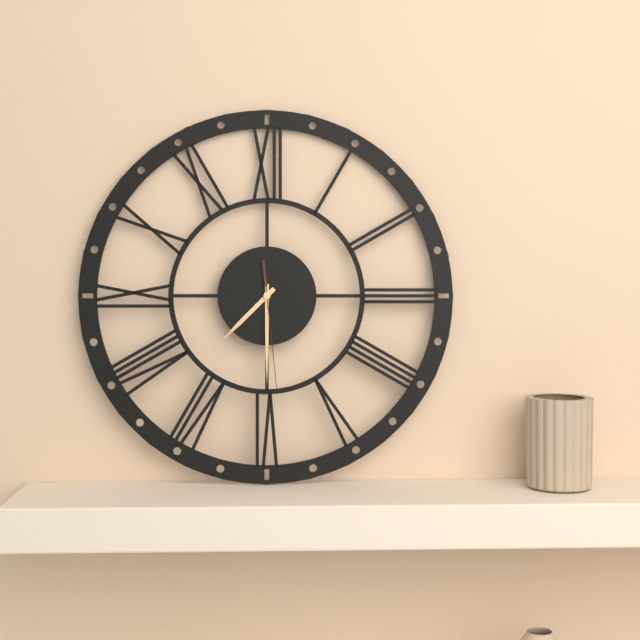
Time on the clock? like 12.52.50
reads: 7.30.29
